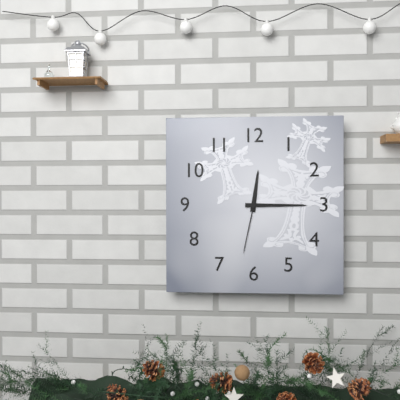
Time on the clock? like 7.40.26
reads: 12.15.32
